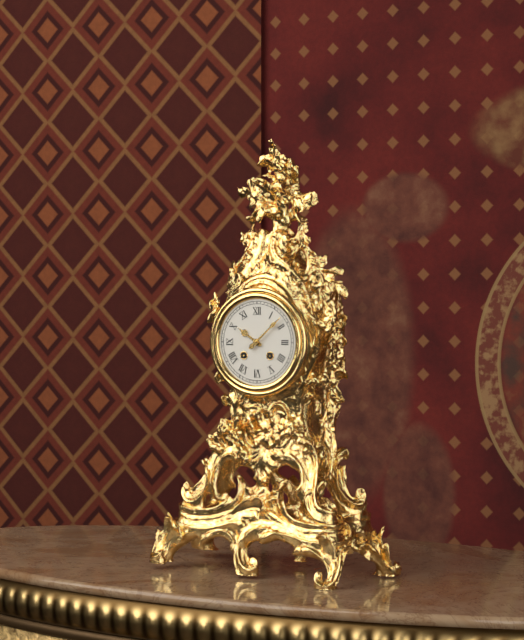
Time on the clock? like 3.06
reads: 10.08
